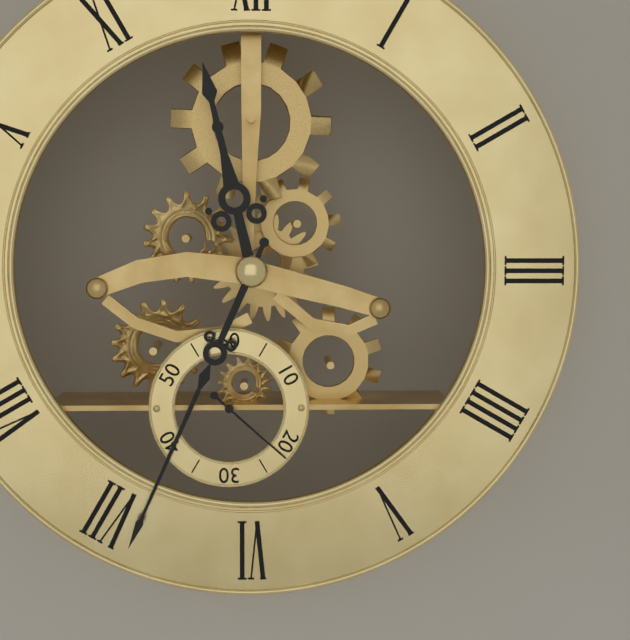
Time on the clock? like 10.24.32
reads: 11.34.22
